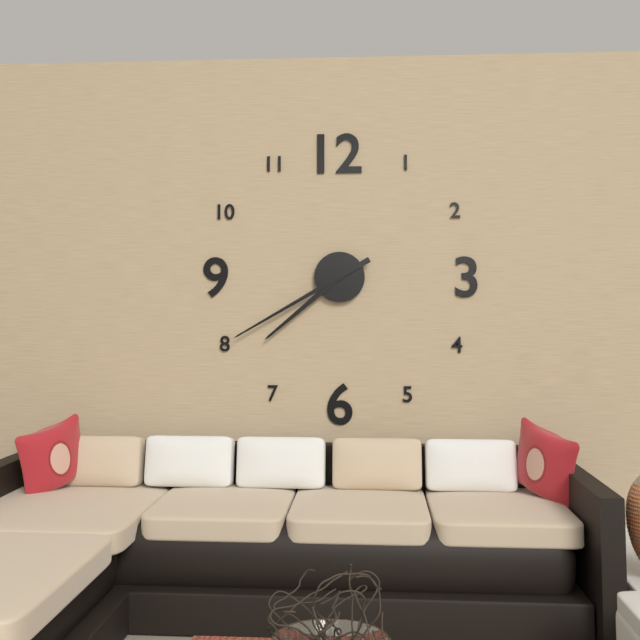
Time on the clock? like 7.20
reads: 7.40
